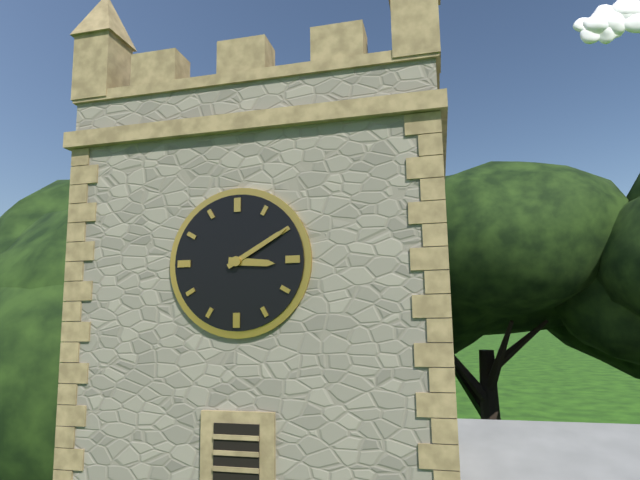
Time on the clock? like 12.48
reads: 3.10
